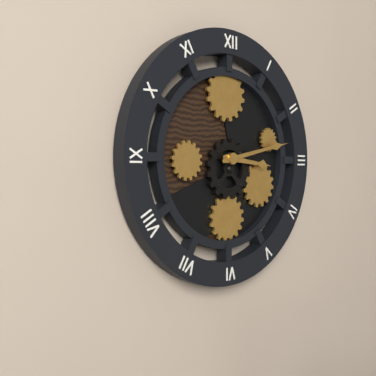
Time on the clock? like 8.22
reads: 3.13
